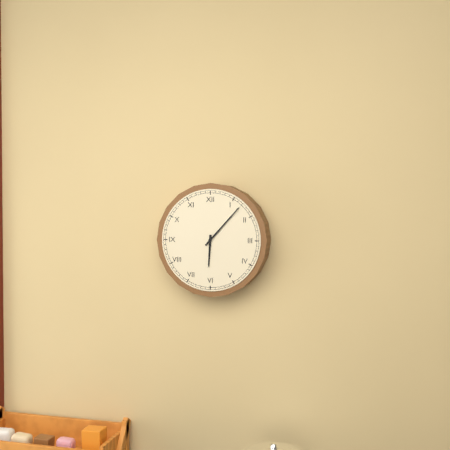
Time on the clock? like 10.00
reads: 6.07
